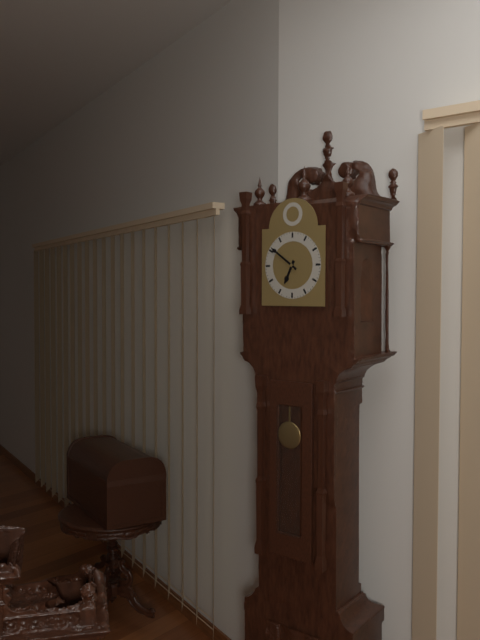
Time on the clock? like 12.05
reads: 6.51
